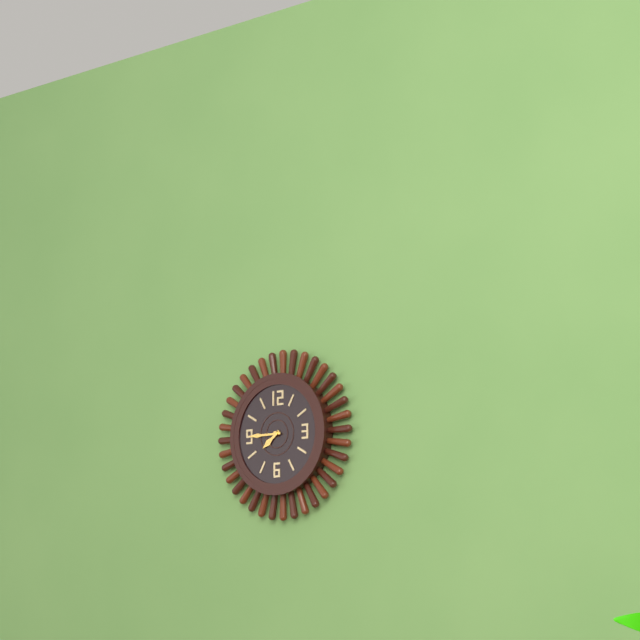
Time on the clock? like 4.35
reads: 7.45
